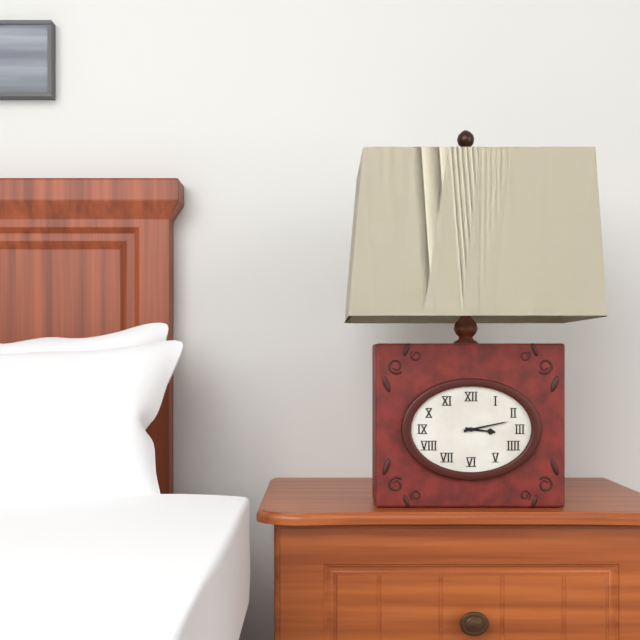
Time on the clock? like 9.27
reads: 3.13
